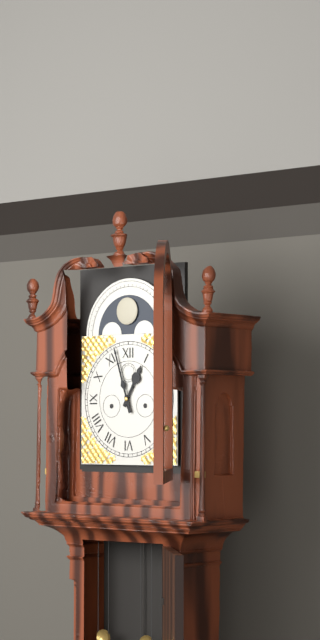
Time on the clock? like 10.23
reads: 12.57
